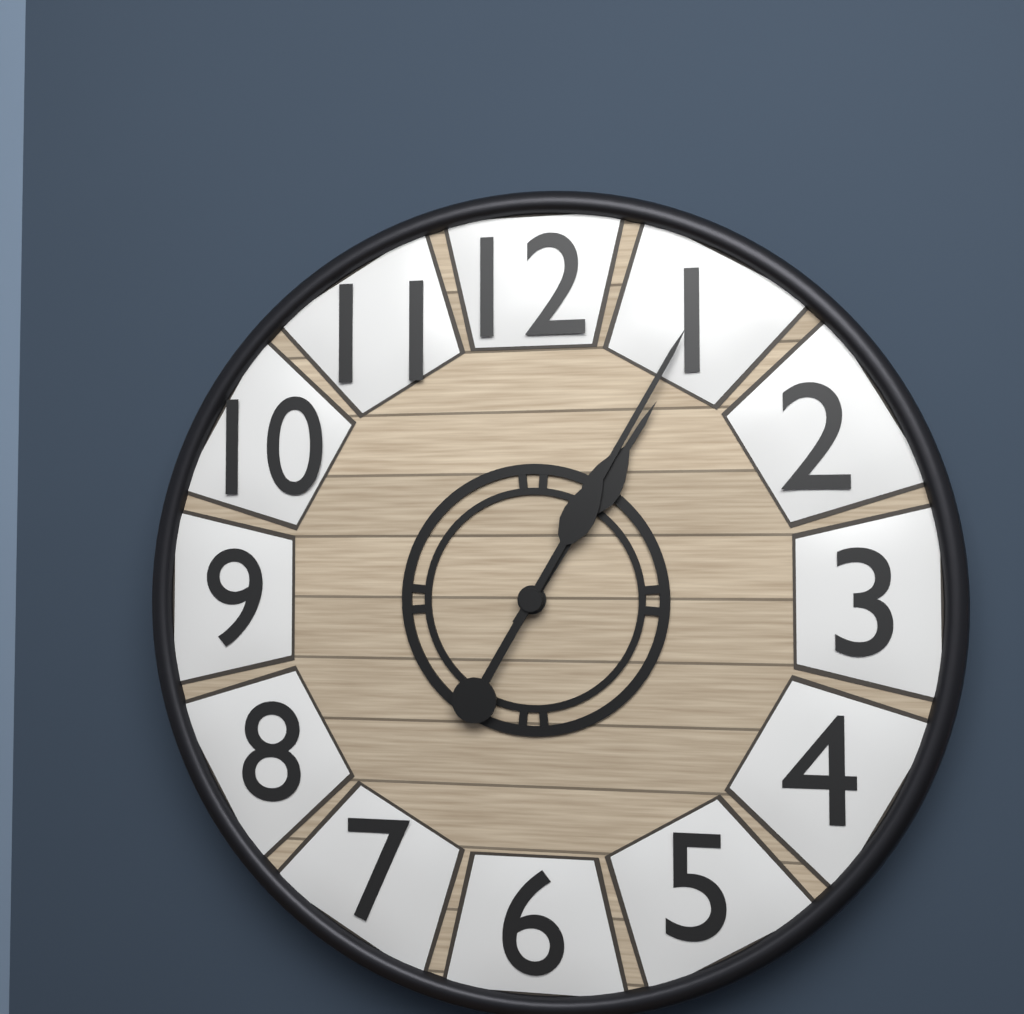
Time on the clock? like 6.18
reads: 1.05
